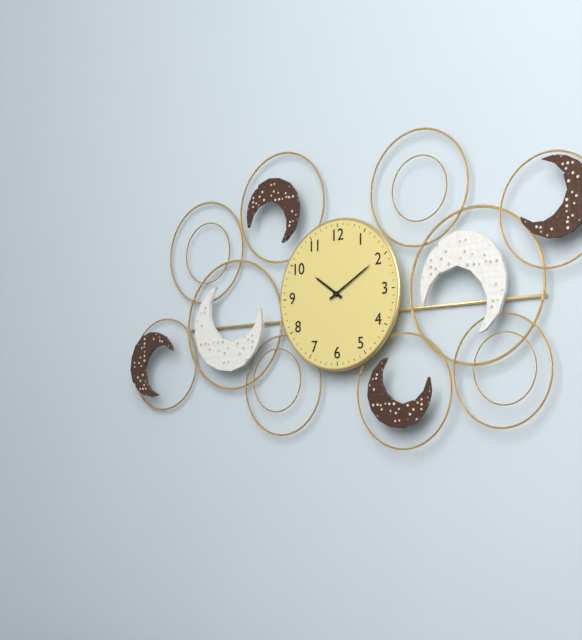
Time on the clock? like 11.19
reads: 10.10
